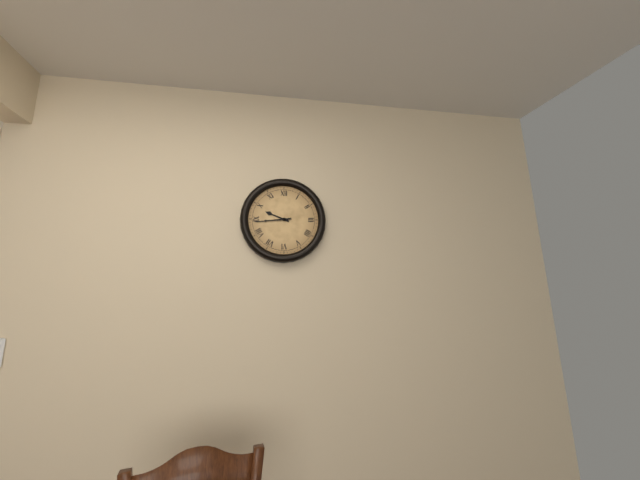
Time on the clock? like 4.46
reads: 9.44
